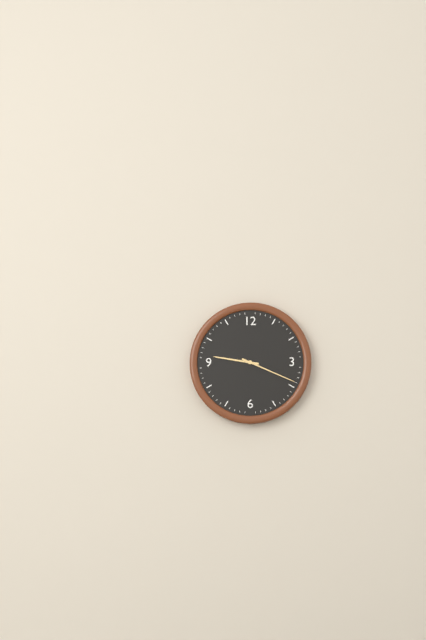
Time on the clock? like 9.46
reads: 9.19
